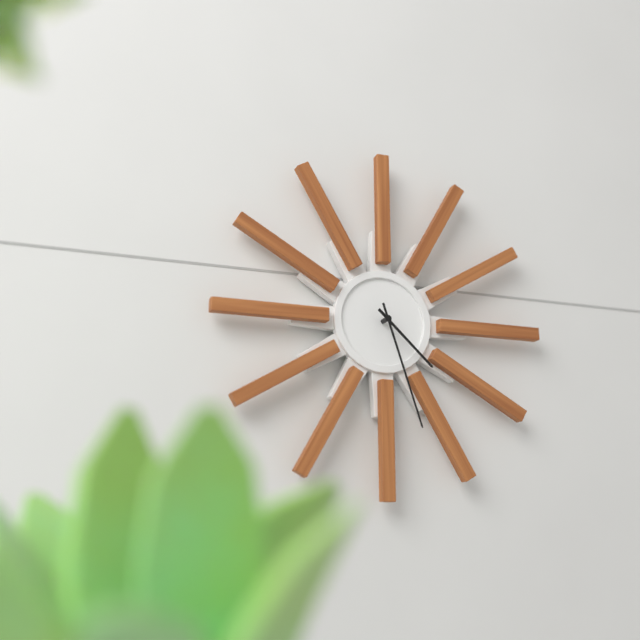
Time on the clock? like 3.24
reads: 4.27
